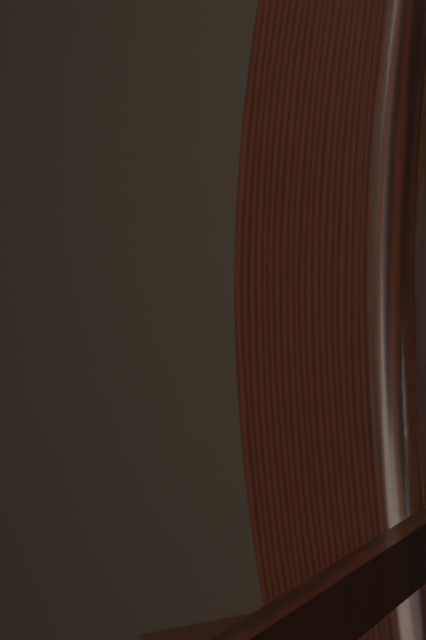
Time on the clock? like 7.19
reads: 5.50
